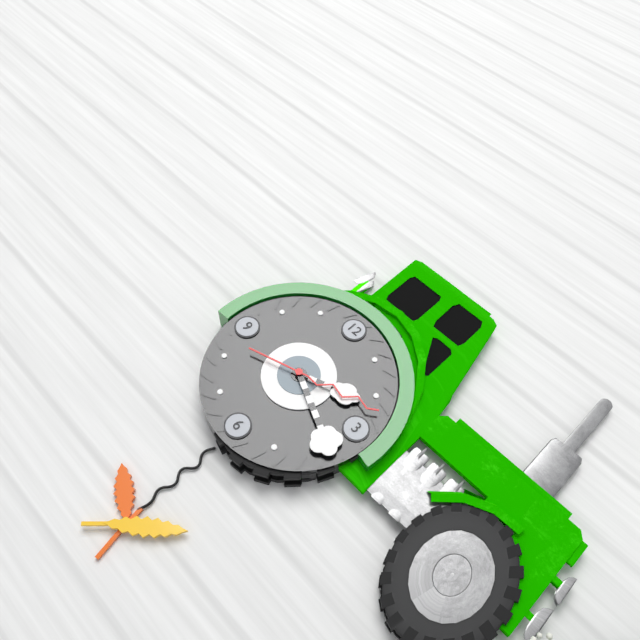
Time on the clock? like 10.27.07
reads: 2.19.12
